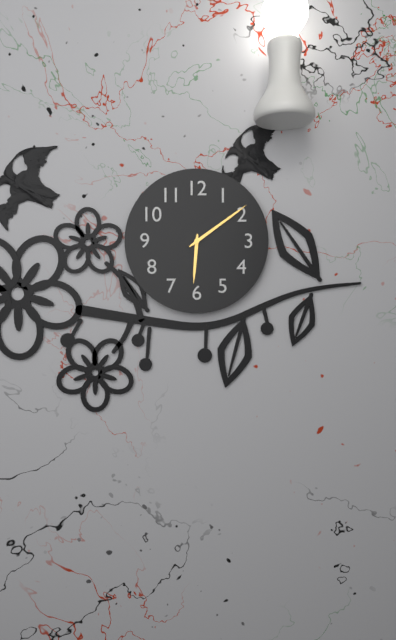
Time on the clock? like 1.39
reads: 6.09
